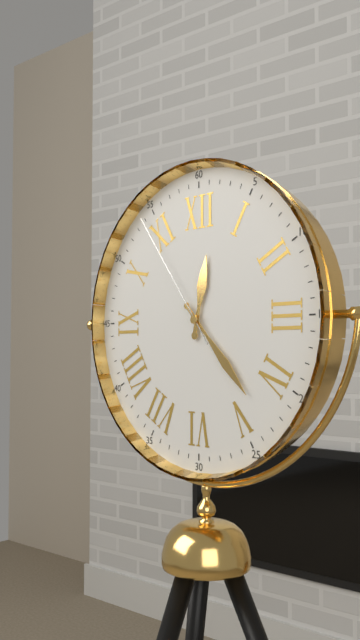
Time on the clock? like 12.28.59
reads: 12.23.54
